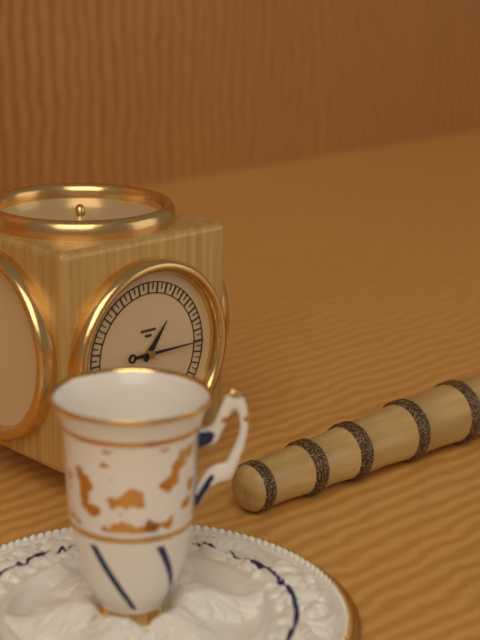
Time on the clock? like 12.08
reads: 1.15
